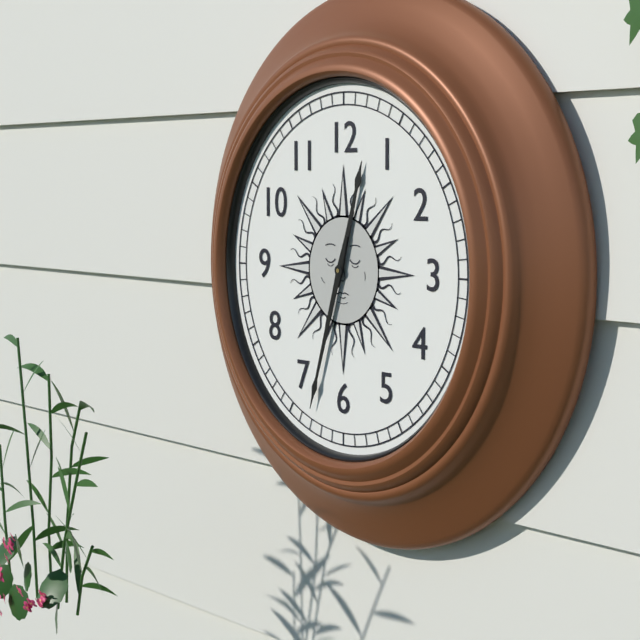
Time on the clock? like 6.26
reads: 12.33
